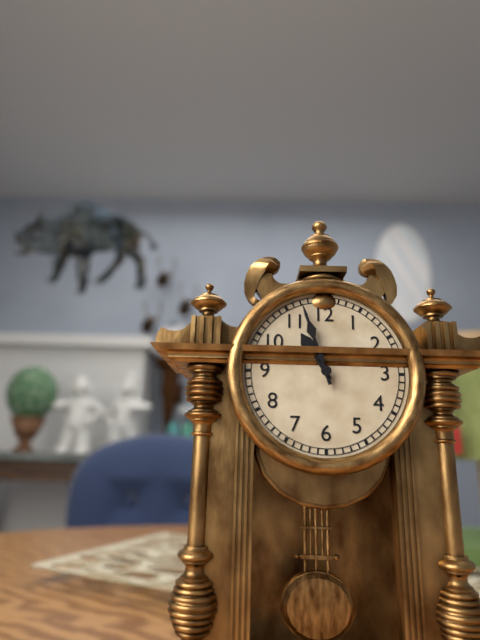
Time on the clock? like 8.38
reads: 10.57
